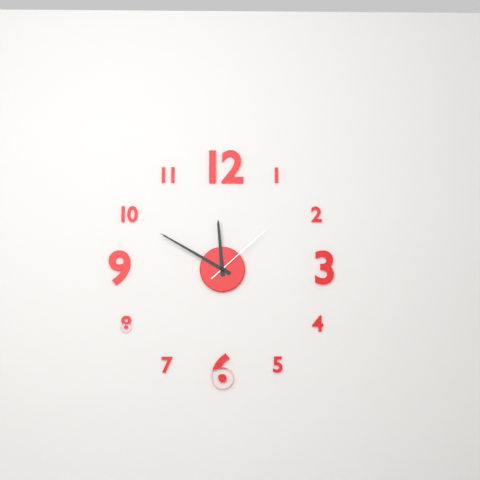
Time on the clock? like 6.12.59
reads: 11.50.08
